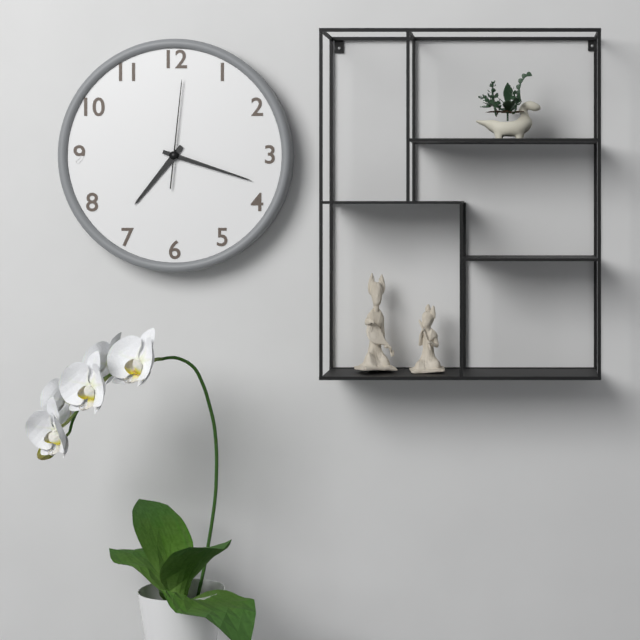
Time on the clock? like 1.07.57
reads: 7.18.01
